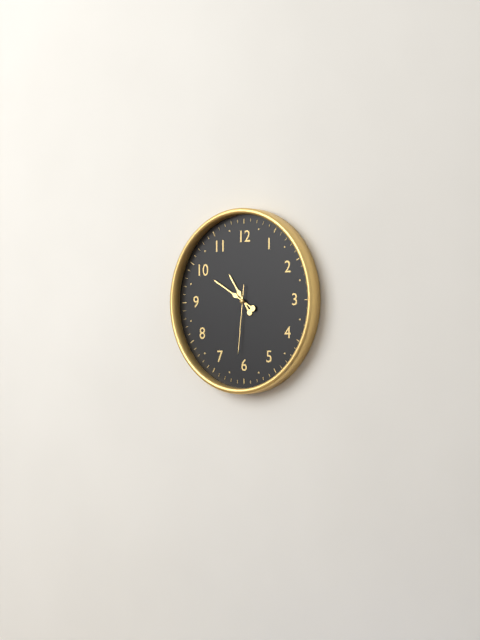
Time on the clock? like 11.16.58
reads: 10.50.31
